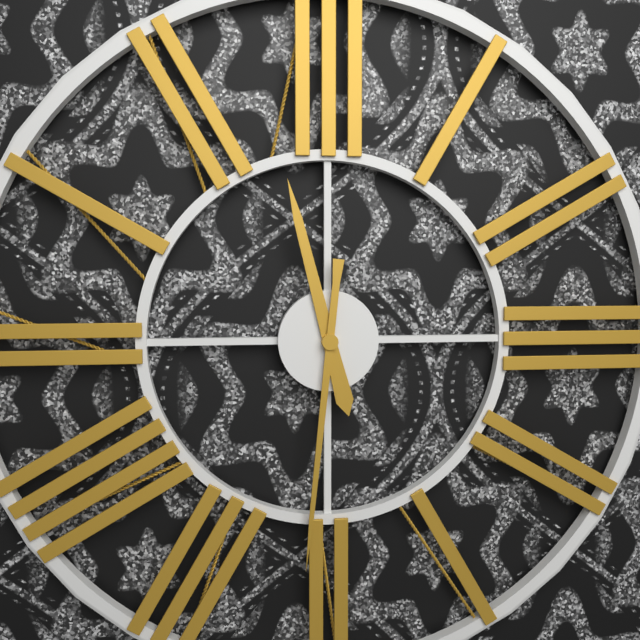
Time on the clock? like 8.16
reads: 11.31
